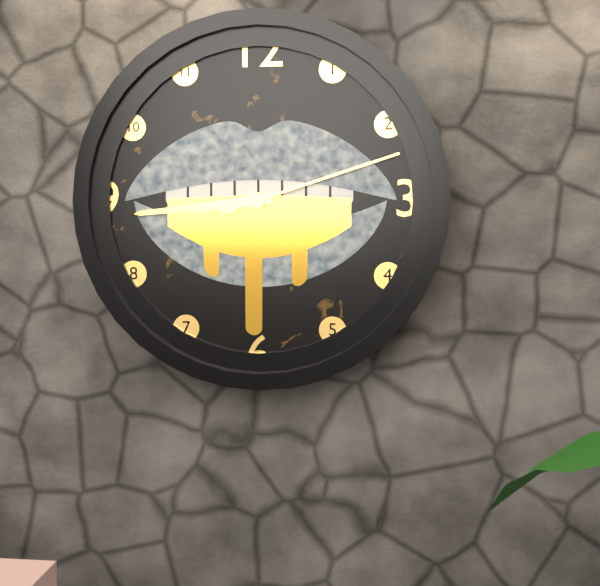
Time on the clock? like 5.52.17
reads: 8.44.12
